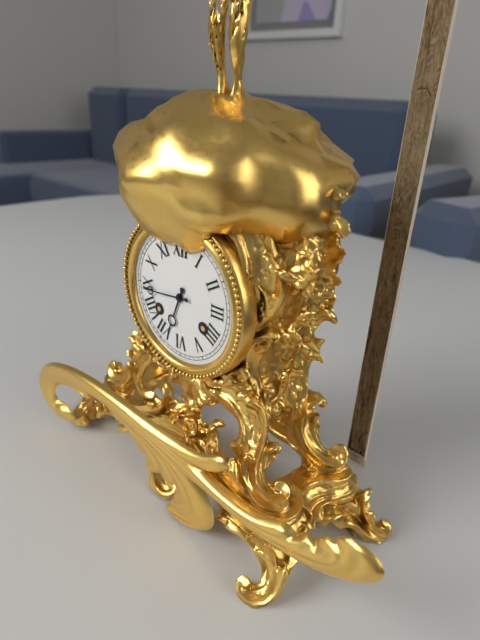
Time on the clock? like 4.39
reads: 6.44
